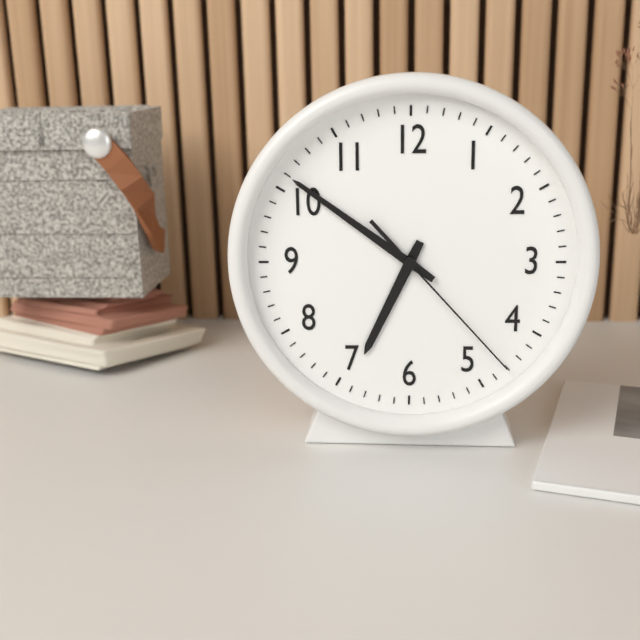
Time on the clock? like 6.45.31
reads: 6.51.23
